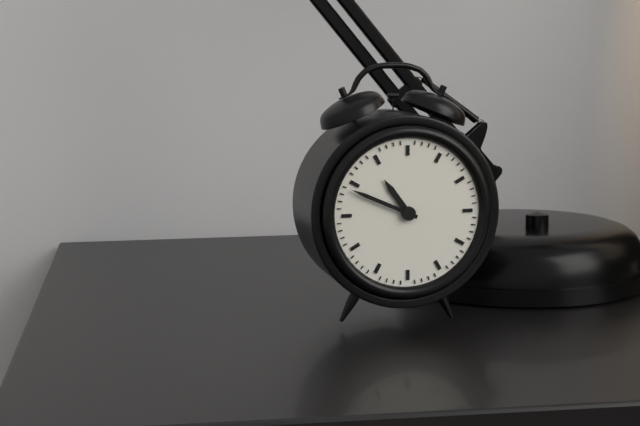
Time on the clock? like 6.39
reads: 10.49
